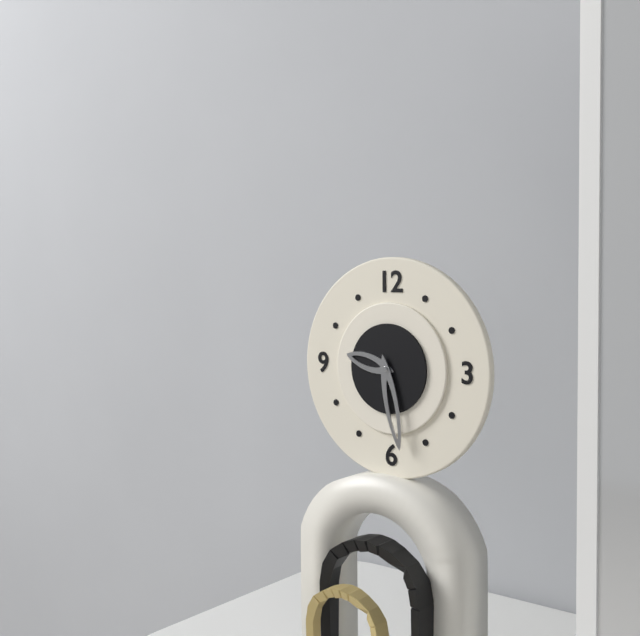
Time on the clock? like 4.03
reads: 9.28
